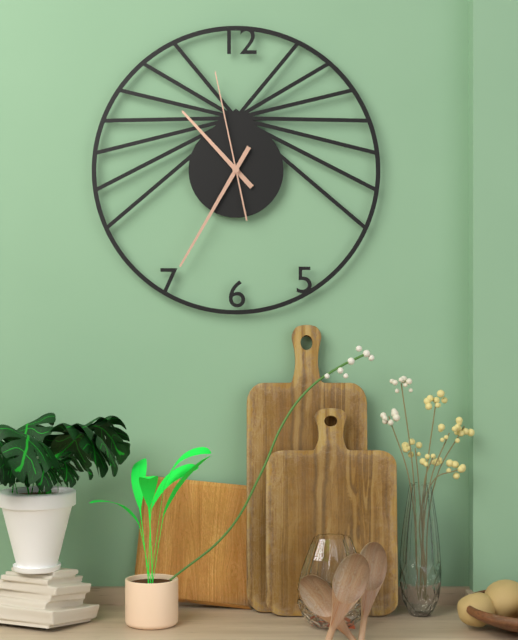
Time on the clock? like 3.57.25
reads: 10.35.58
